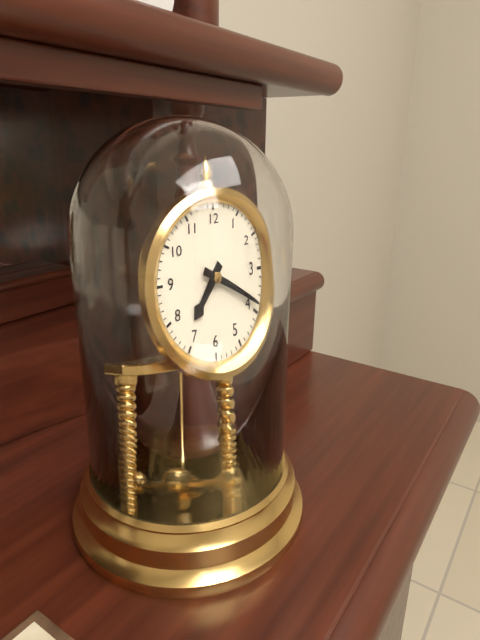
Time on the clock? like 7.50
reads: 7.19
